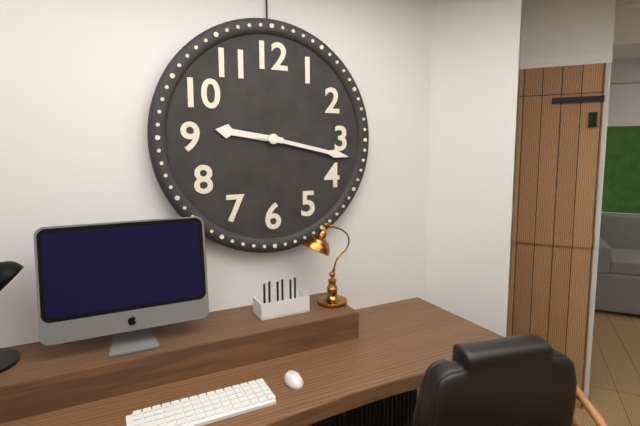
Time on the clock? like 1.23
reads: 9.17
